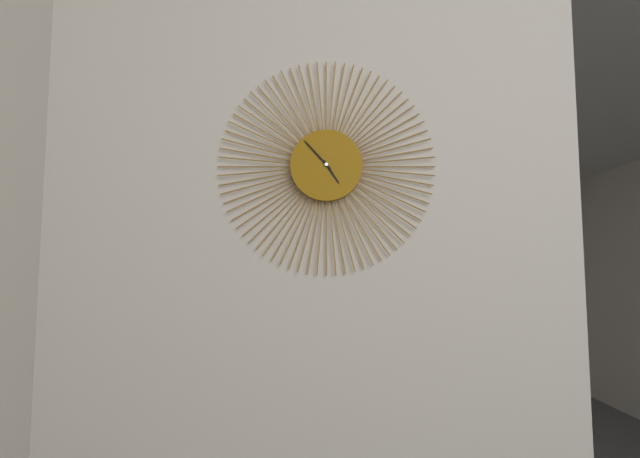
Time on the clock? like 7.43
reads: 4.53
